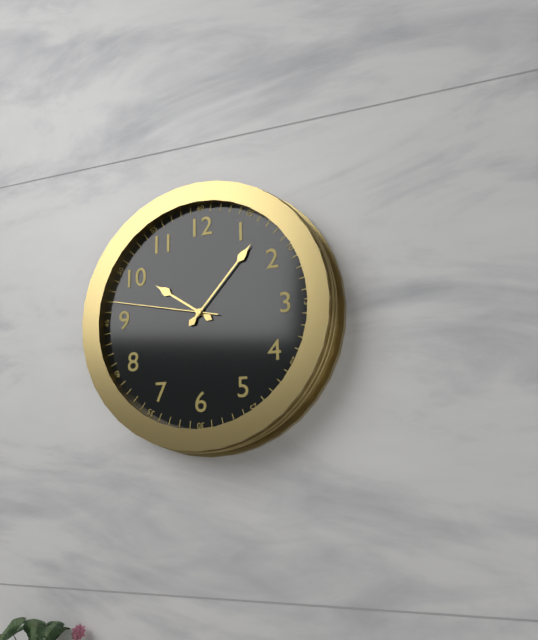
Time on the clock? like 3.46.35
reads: 10.07.47
